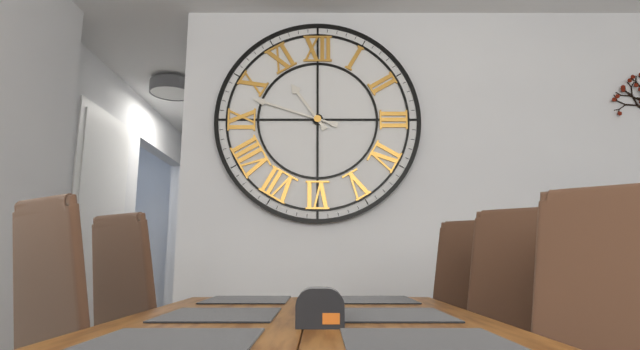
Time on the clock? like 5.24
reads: 10.48
